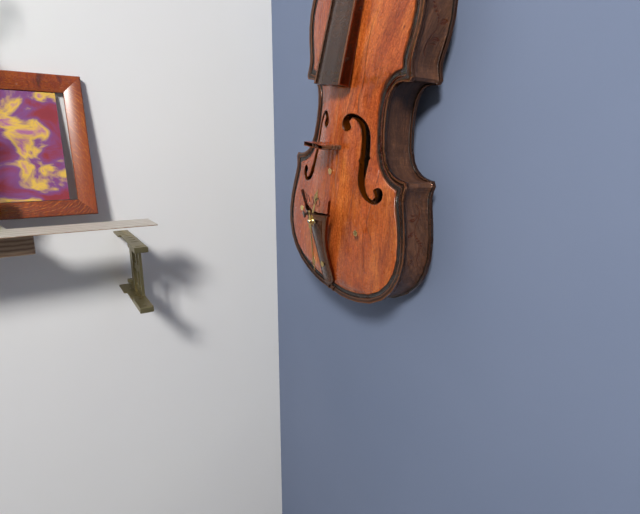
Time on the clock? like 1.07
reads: 12.27
